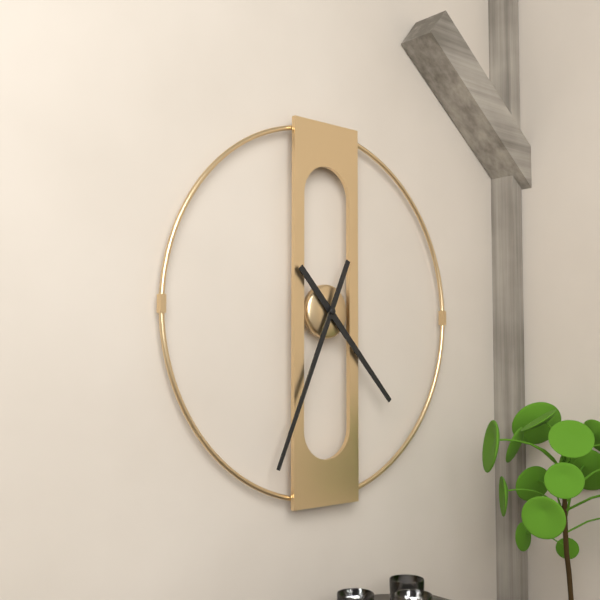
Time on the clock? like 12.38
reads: 4.34
